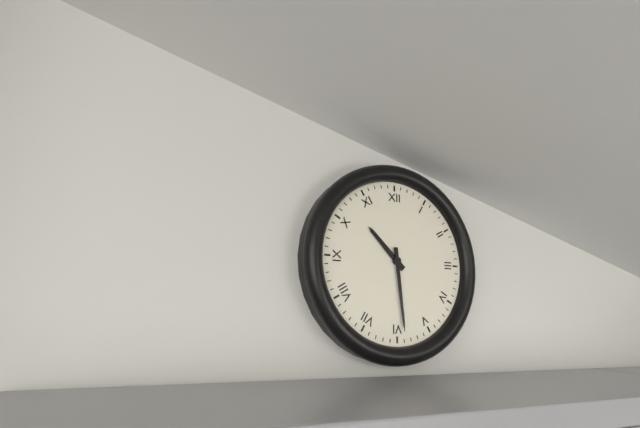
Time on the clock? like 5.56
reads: 10.29
